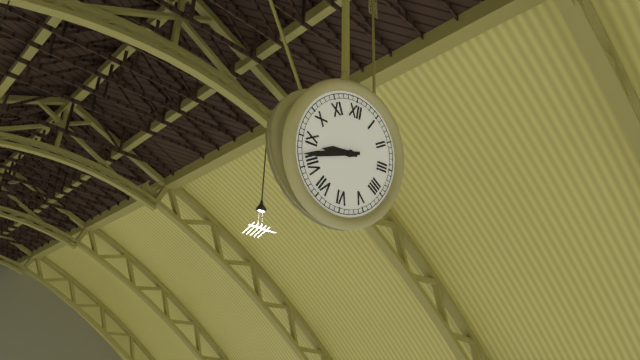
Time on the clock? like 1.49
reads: 8.42
